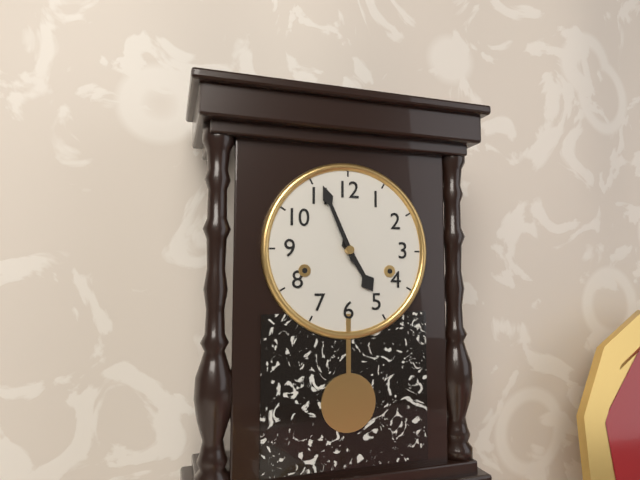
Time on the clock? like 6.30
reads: 4.56
